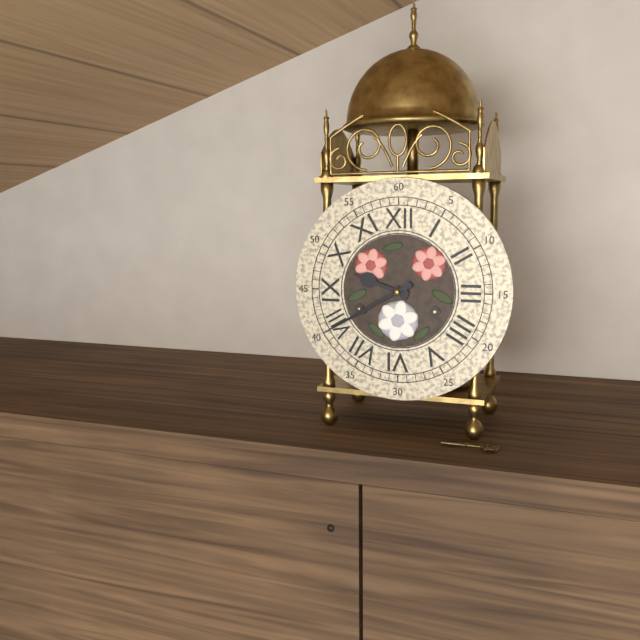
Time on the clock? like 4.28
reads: 9.40
